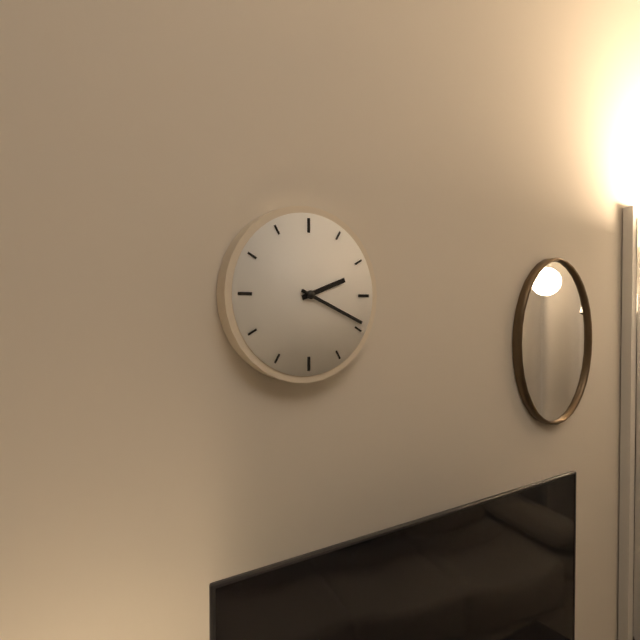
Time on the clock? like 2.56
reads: 2.19
